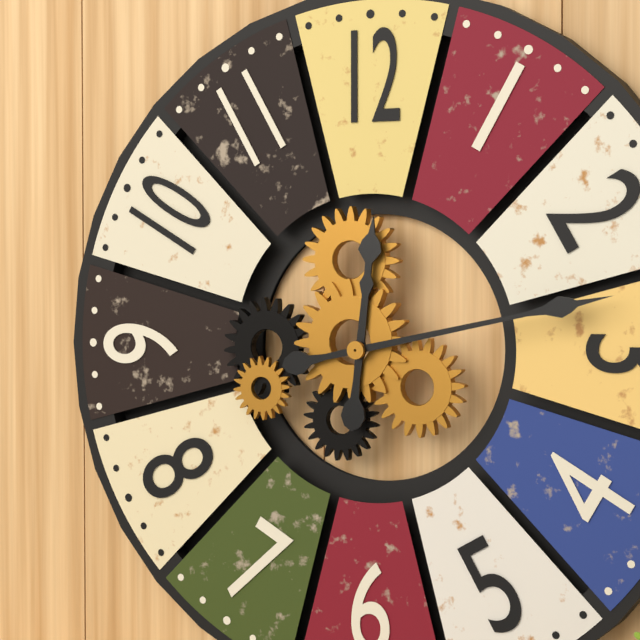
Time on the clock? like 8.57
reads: 12.13
